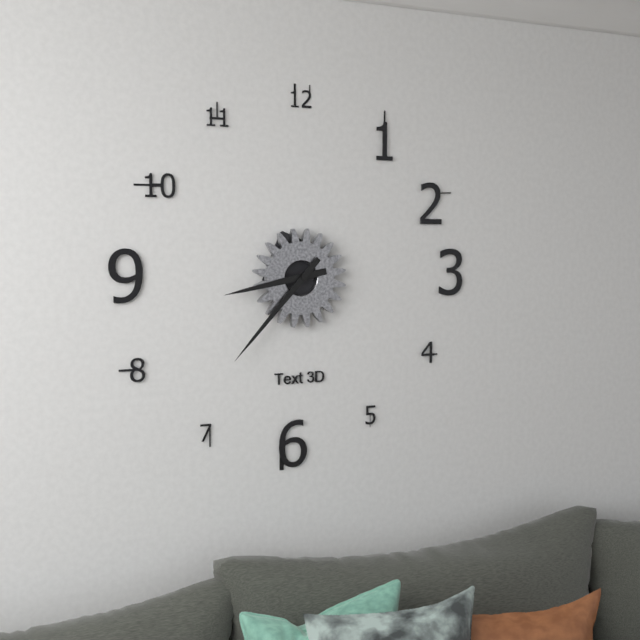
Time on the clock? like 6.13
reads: 8.37
